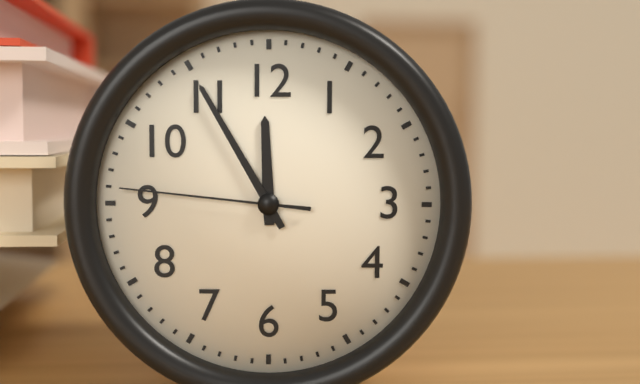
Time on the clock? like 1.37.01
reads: 11.55.46
